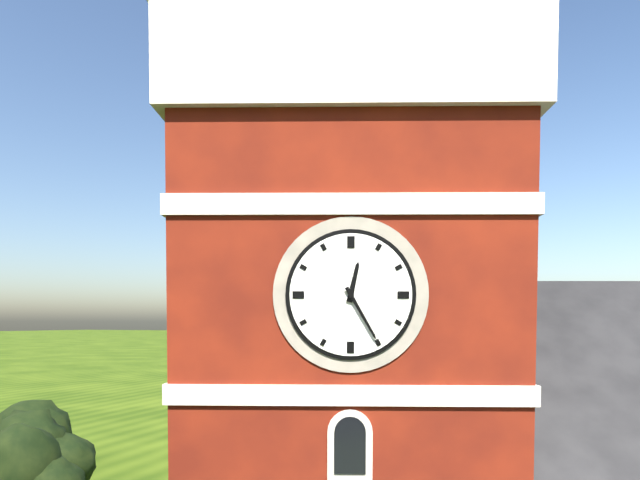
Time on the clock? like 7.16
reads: 12.25
